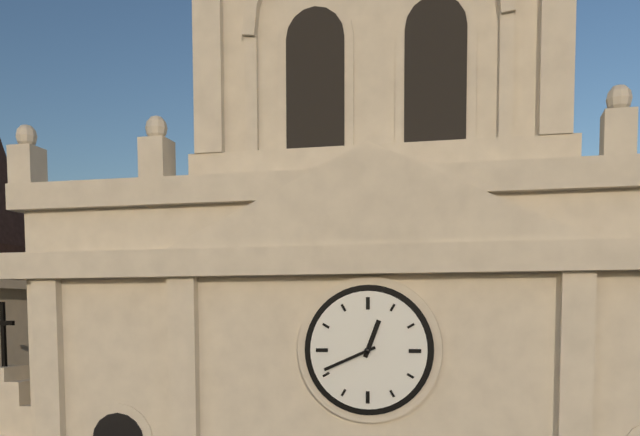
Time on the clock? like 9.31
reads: 12.41
